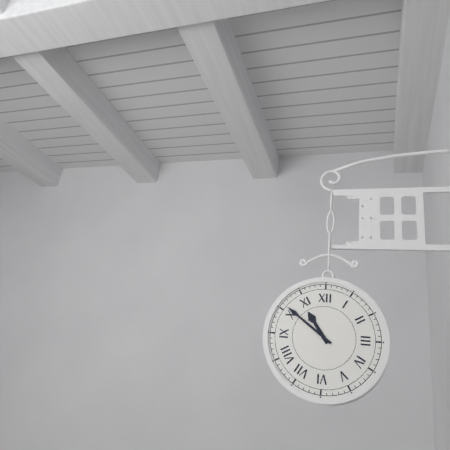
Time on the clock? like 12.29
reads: 10.51
